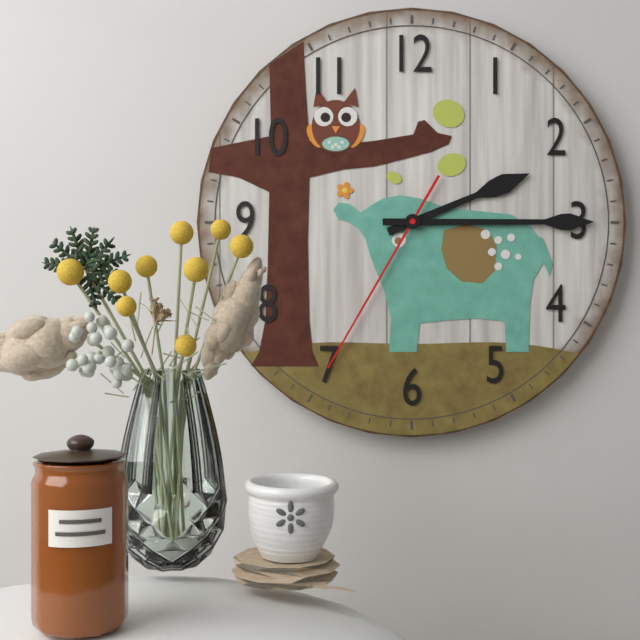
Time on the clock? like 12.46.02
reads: 2.15.35
